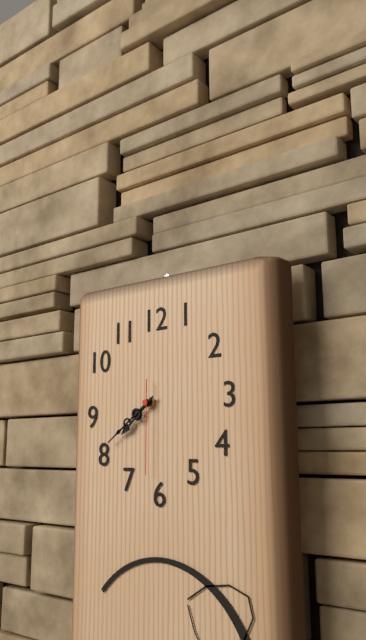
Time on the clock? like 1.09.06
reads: 7.39.30
